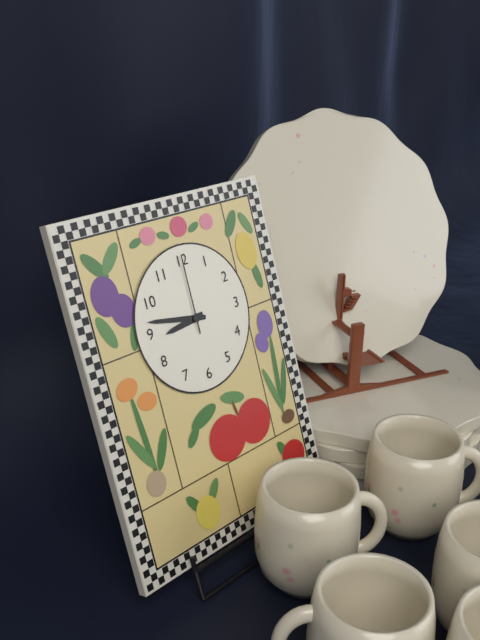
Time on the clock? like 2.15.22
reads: 8.47.00
